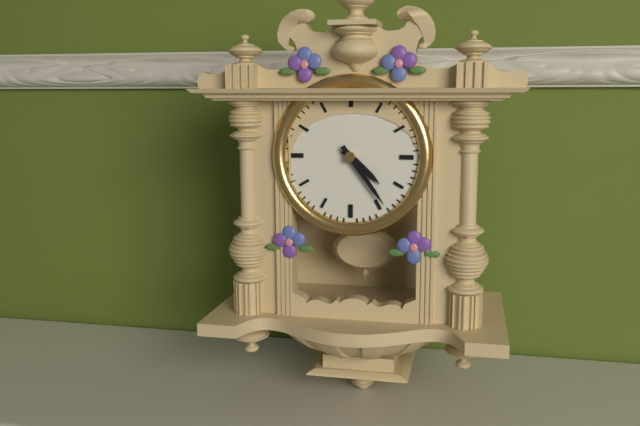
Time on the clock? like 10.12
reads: 4.24
